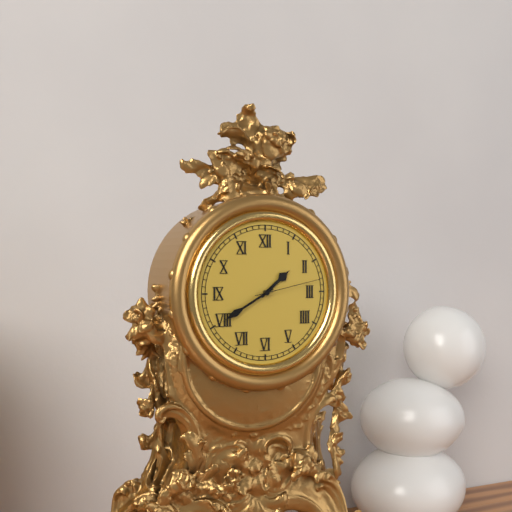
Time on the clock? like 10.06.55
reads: 1.40.13
